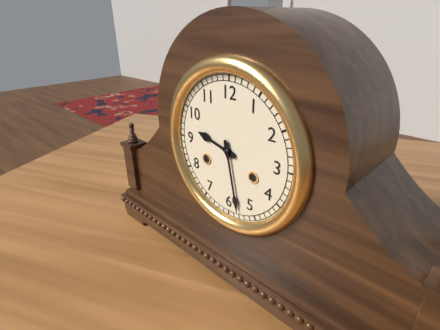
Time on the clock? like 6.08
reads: 9.28
